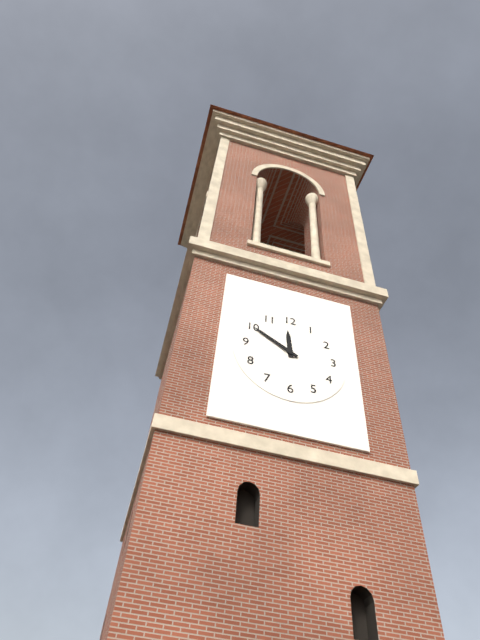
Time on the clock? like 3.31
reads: 11.50
